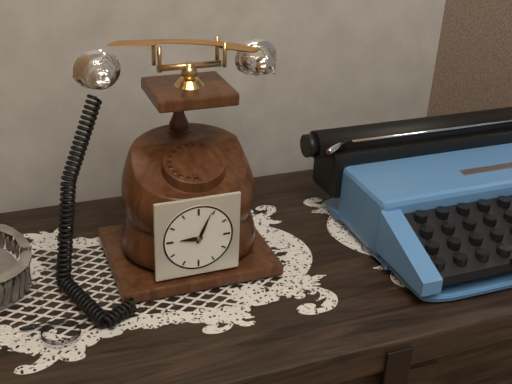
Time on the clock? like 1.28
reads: 9.04
